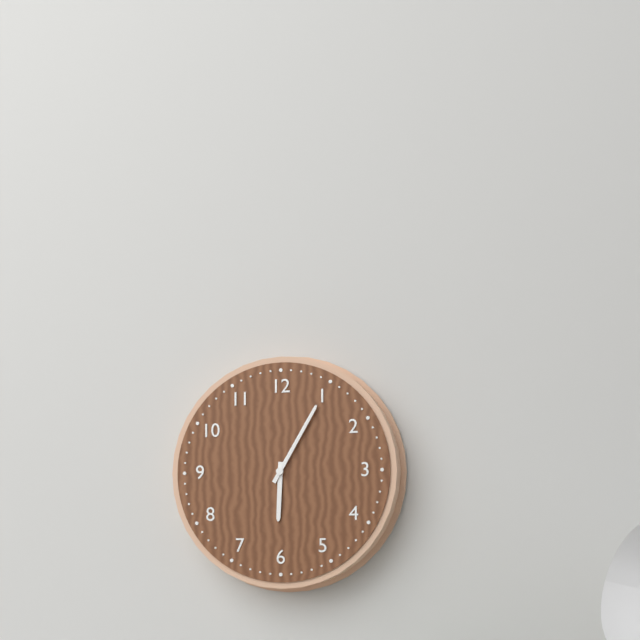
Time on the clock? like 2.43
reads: 6.05
